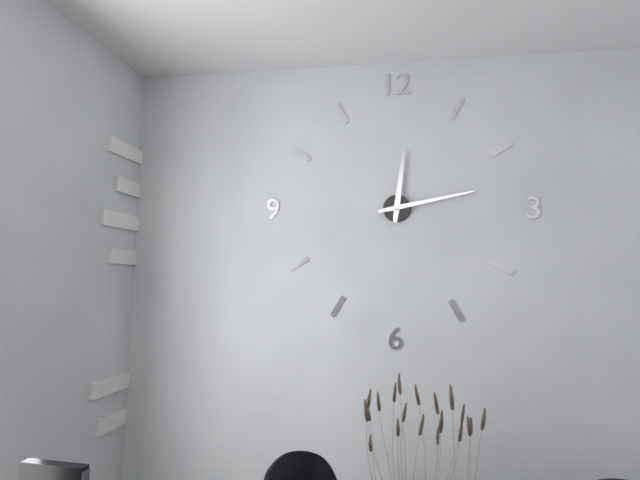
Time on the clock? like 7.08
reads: 12.13
